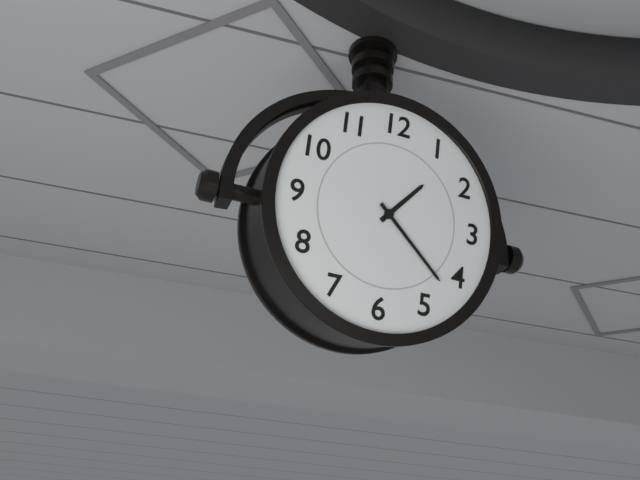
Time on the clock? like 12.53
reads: 1.22
